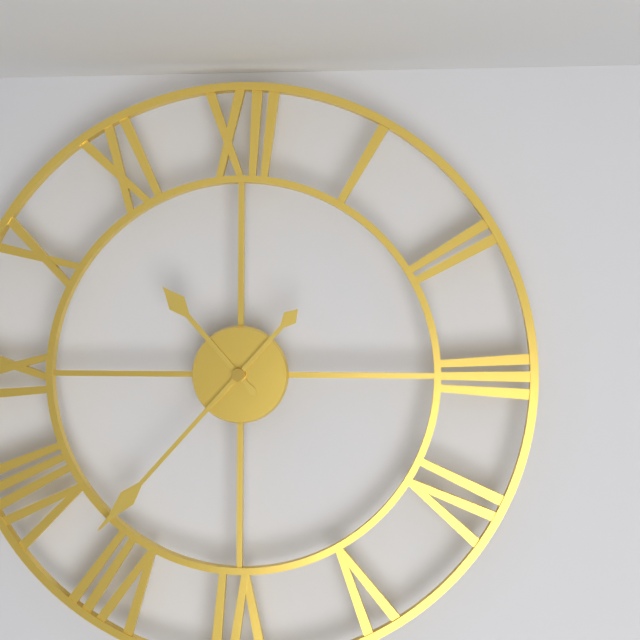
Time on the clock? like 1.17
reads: 10.37
